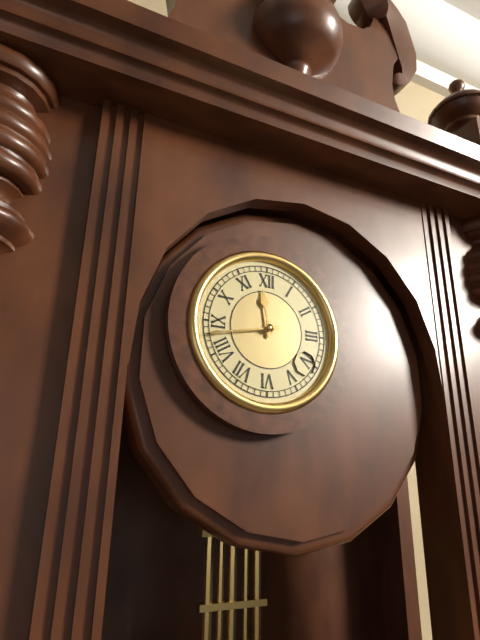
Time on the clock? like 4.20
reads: 11.43
